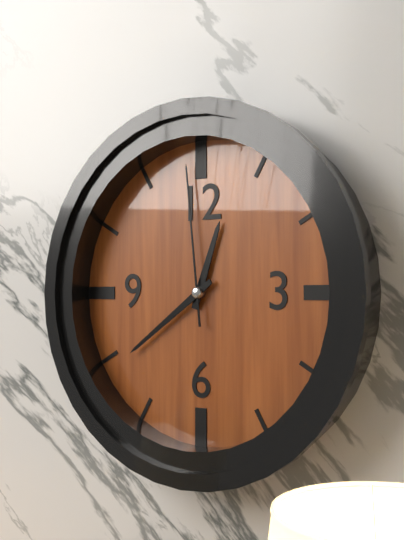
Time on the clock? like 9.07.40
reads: 12.39.59
